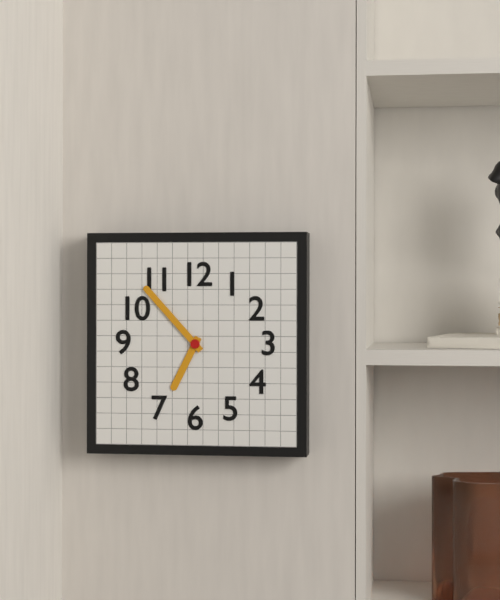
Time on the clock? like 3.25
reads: 6.53
